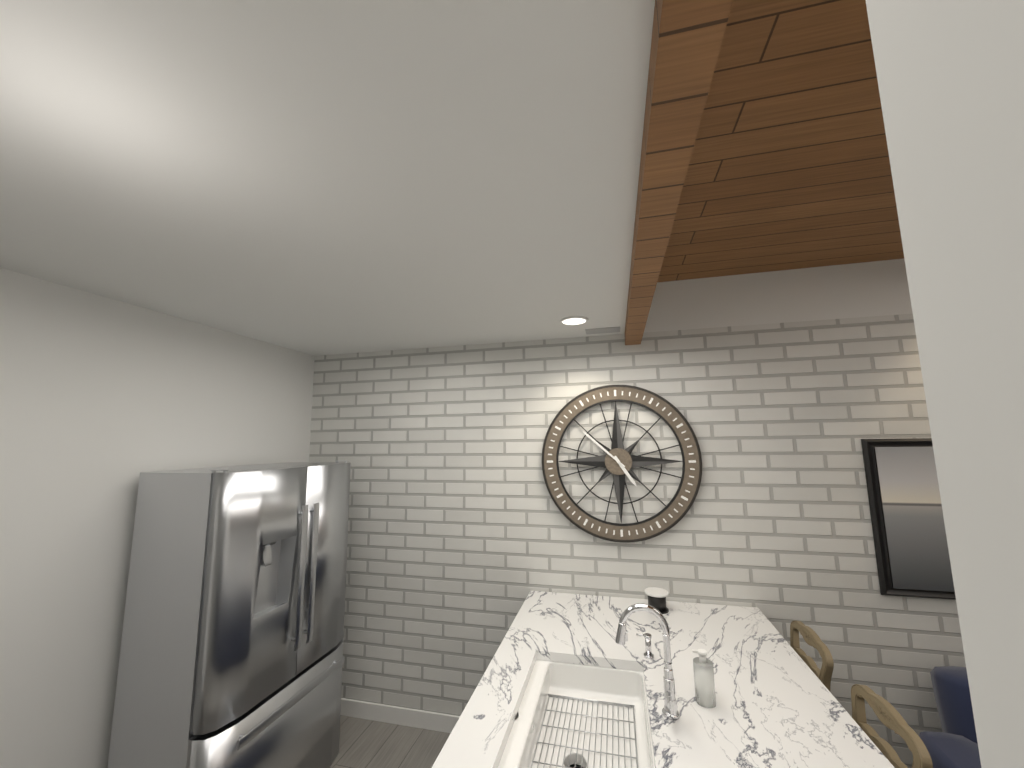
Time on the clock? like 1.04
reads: 4.52
